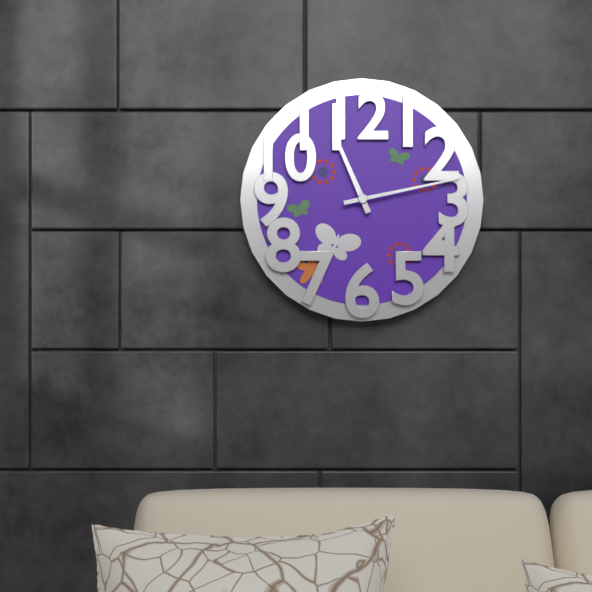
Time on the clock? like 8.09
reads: 11.13
